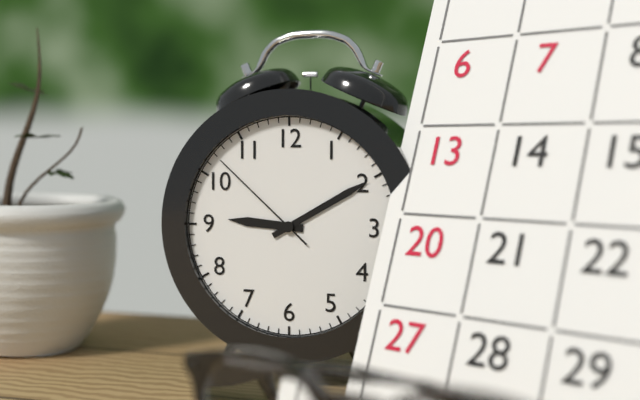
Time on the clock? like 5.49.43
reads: 9.10.52
